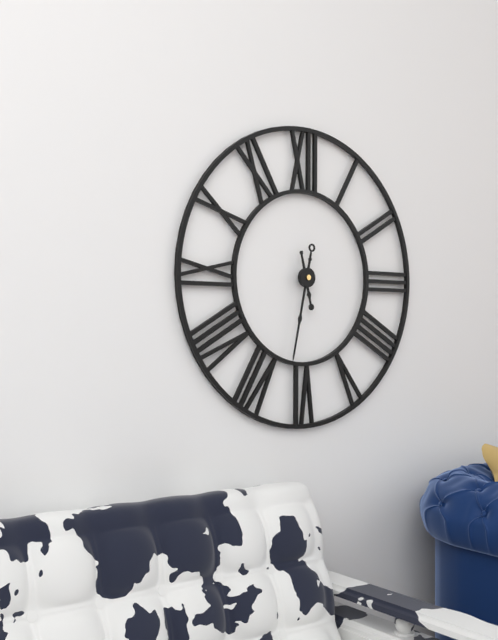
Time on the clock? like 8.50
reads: 5.32
